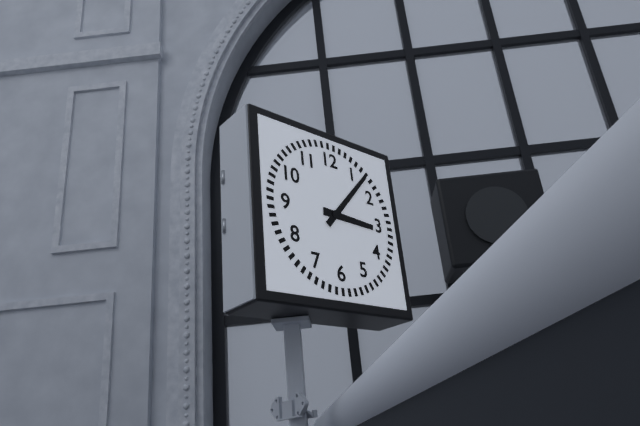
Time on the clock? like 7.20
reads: 3.07
